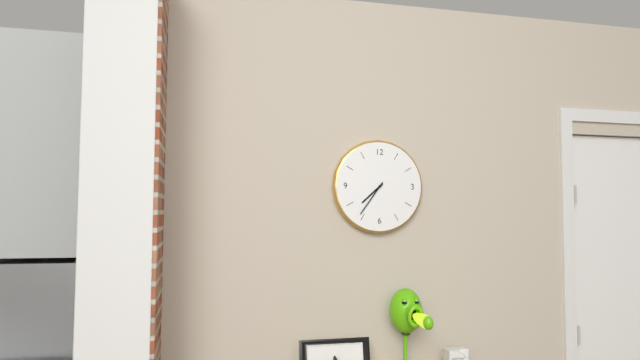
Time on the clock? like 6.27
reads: 7.36
